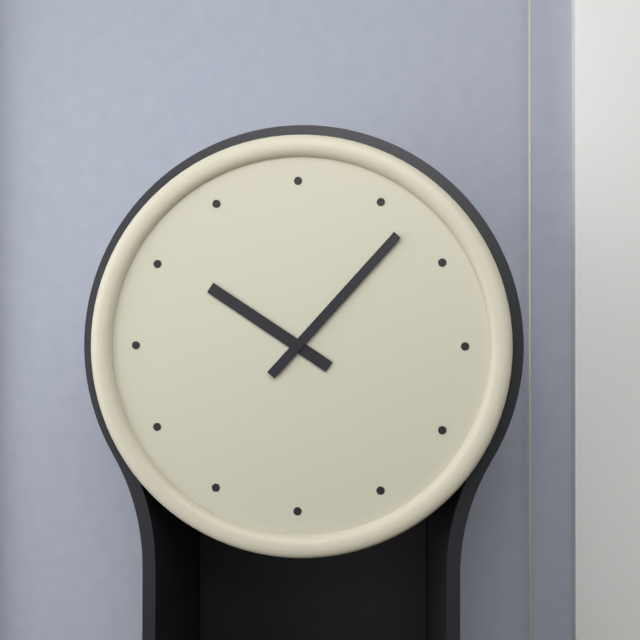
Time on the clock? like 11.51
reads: 10.07
